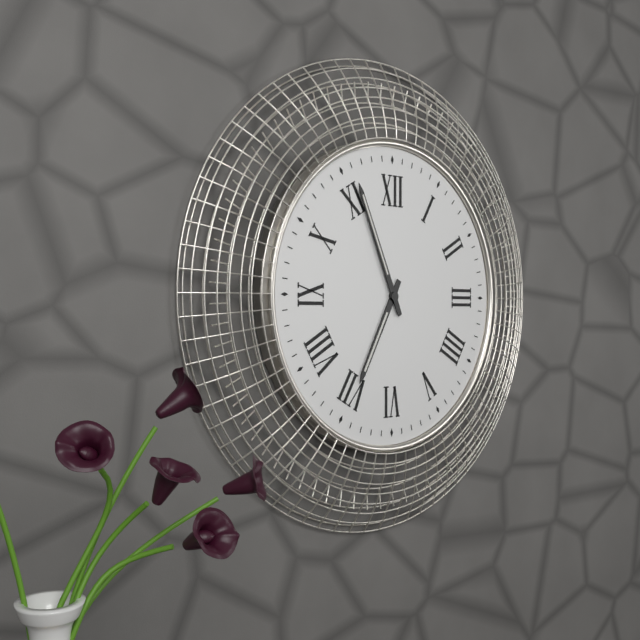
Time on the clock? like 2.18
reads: 6.56
